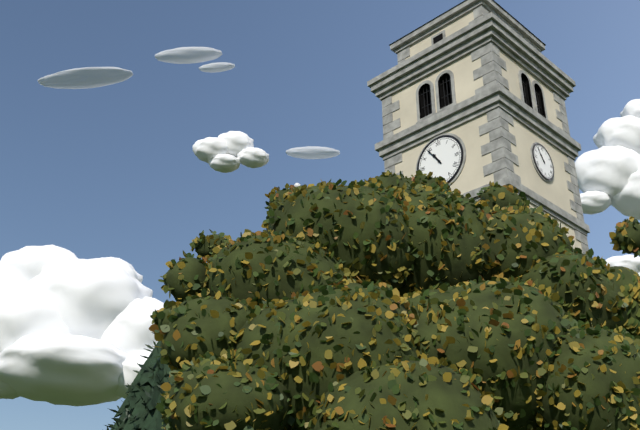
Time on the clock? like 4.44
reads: 10.54
